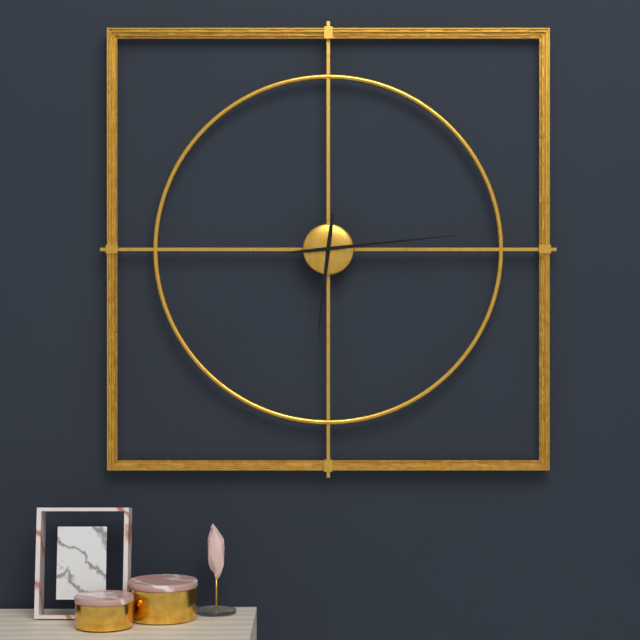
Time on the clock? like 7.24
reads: 6.14
